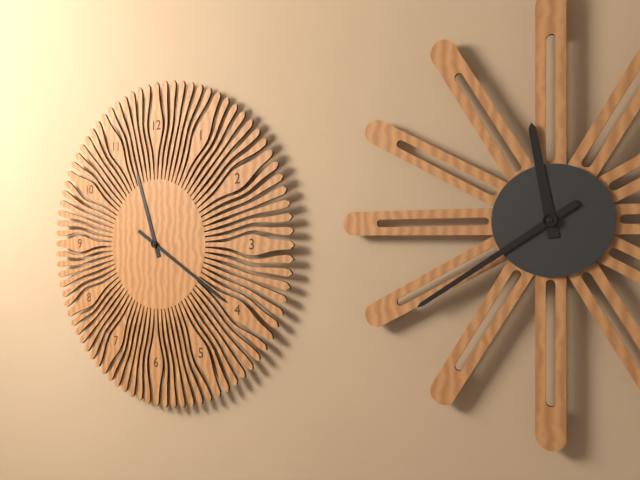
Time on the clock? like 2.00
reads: 11.20
